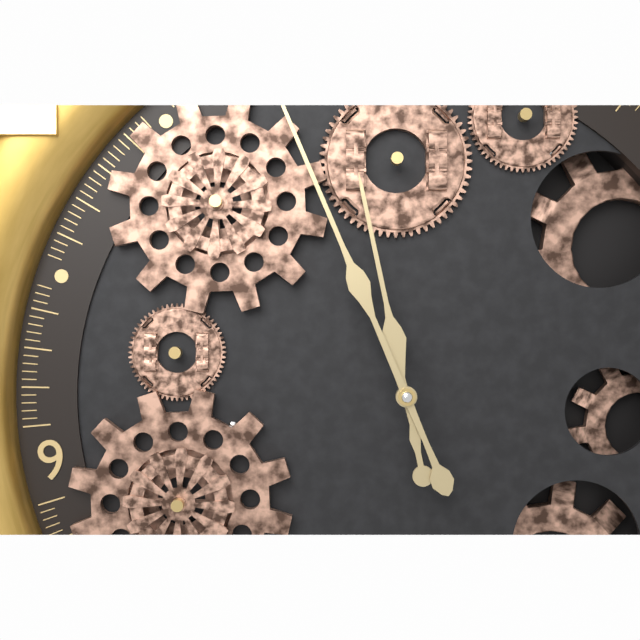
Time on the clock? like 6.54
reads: 11.58
